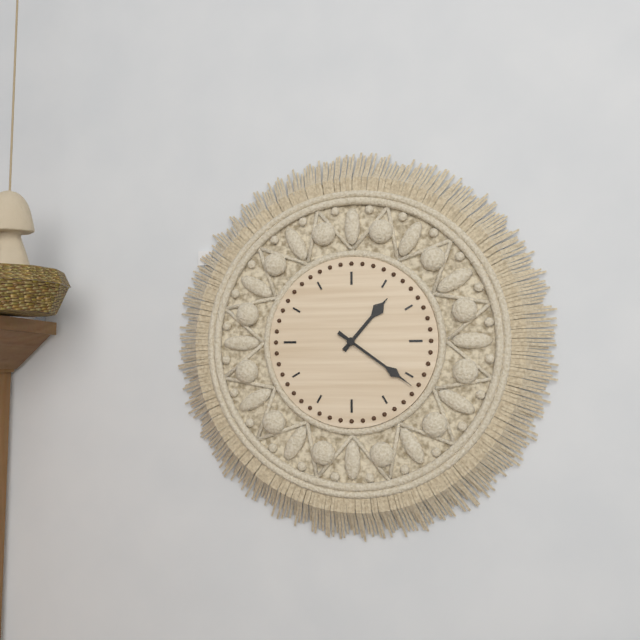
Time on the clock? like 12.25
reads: 1.21
